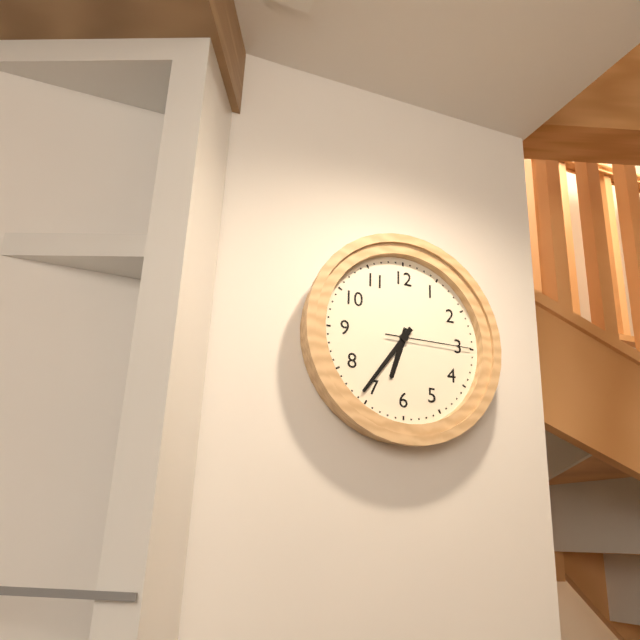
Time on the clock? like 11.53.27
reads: 6.36.15
